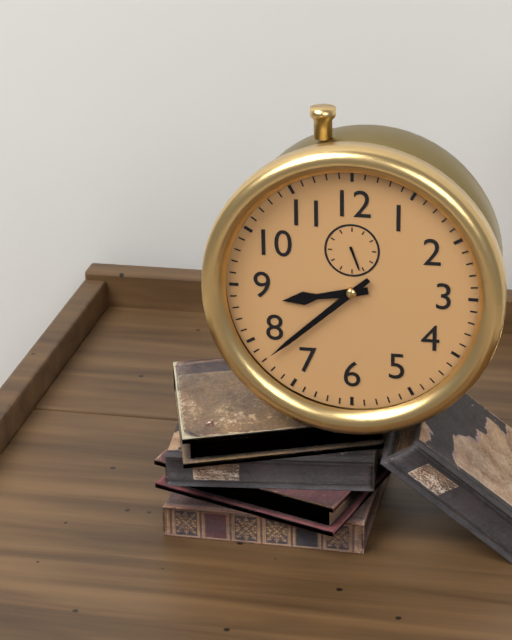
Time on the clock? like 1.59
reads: 8.38
